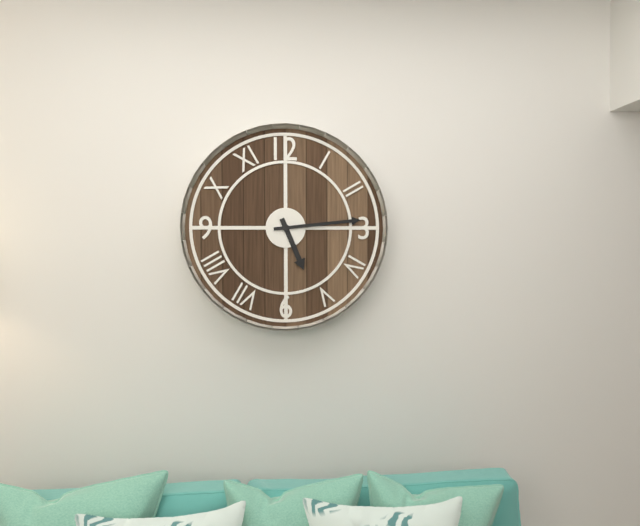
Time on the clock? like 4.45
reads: 5.14
